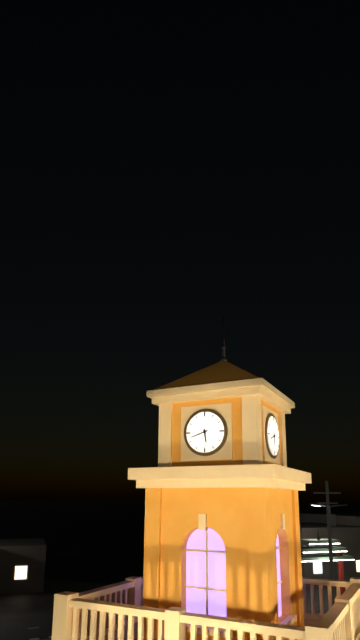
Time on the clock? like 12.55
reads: 5.42
